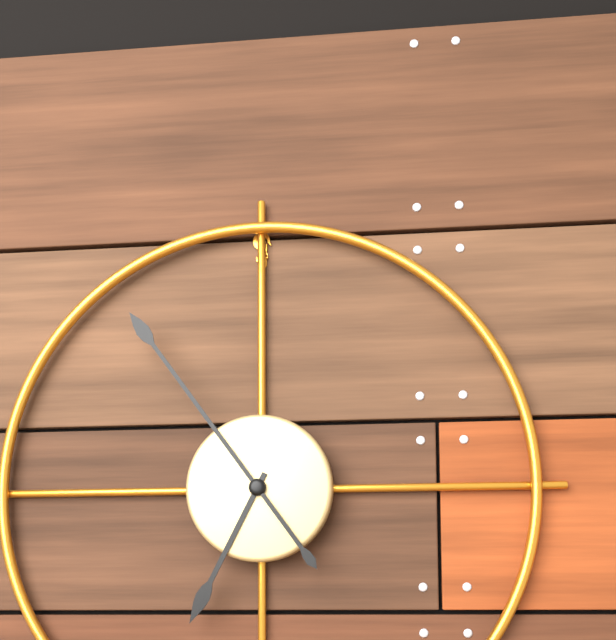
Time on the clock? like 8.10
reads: 6.54
